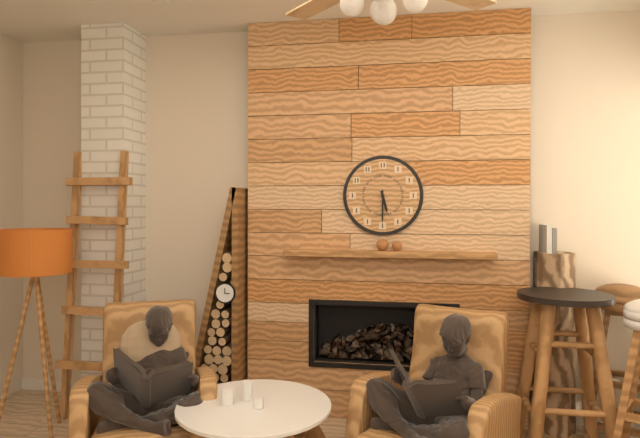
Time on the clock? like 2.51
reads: 5.30
